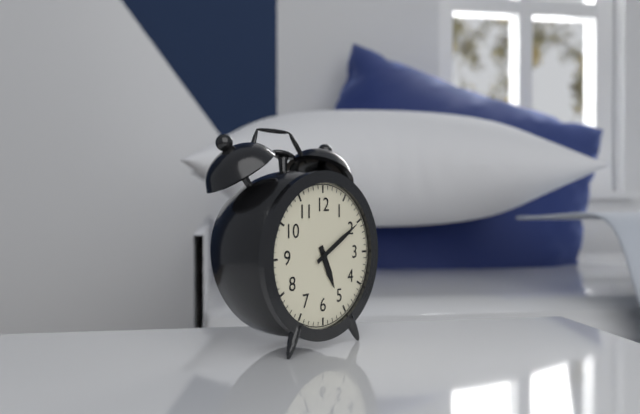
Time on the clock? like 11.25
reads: 5.10
